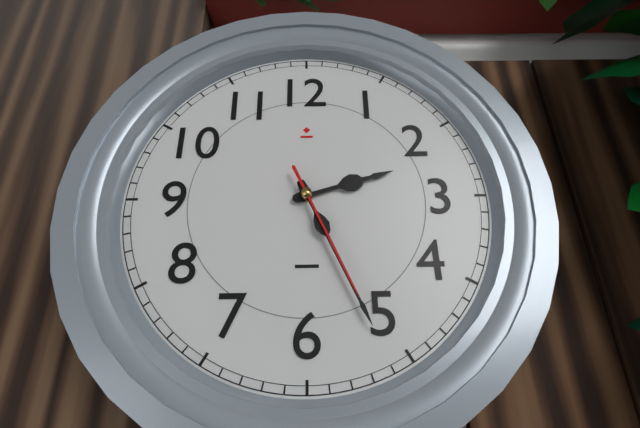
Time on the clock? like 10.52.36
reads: 2.26.26
